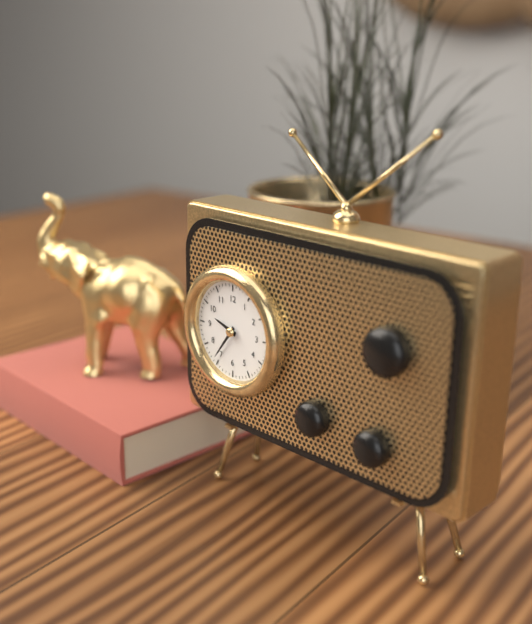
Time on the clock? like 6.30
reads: 9.36
